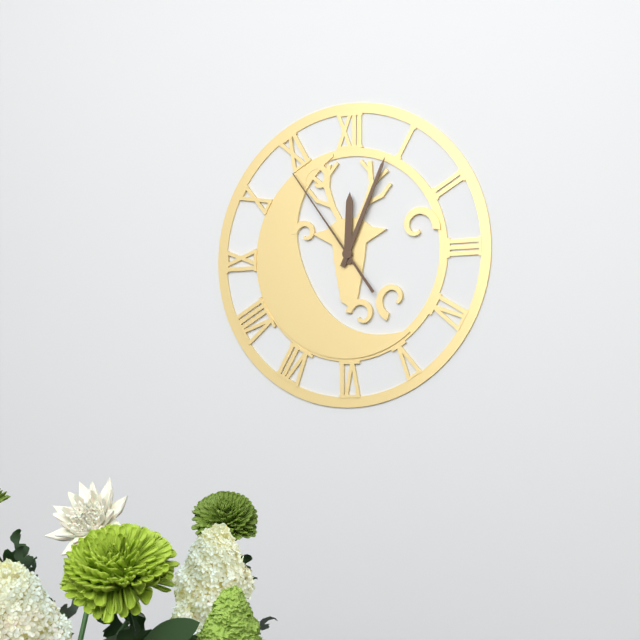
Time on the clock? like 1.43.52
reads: 12.04.54
